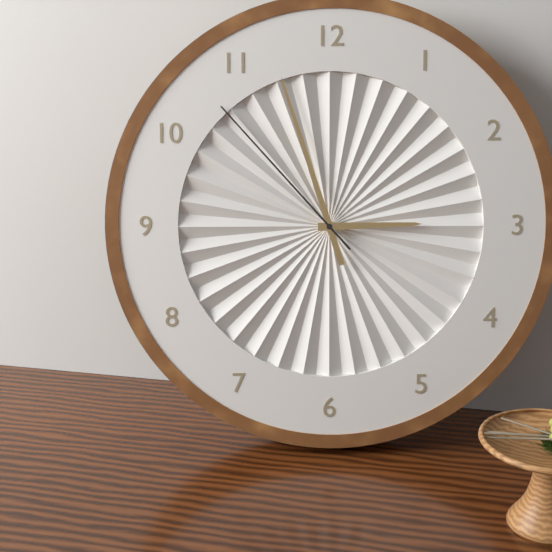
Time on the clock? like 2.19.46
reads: 2.57.53
